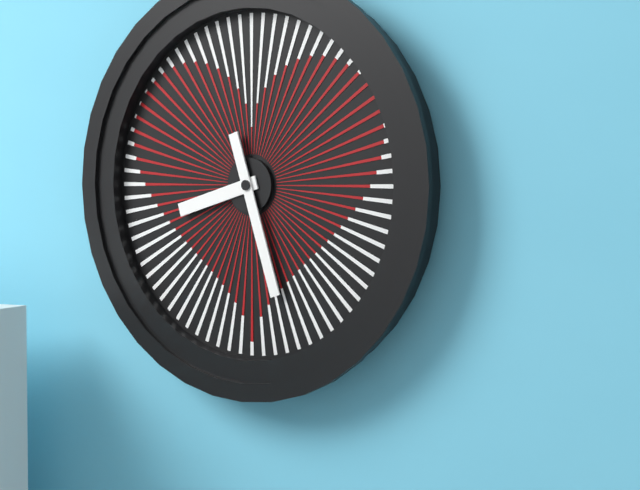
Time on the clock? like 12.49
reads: 8.27
